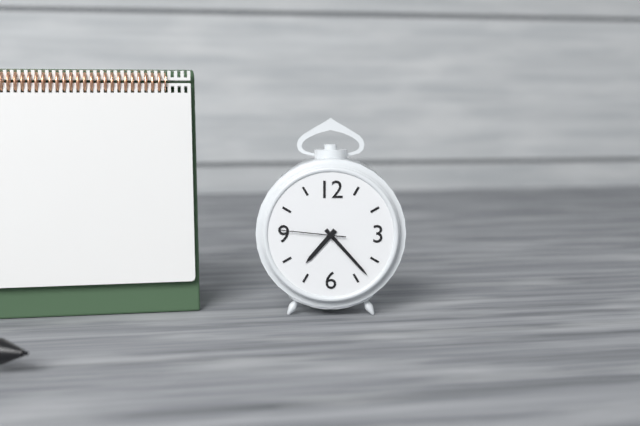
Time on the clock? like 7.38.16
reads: 7.23.46
